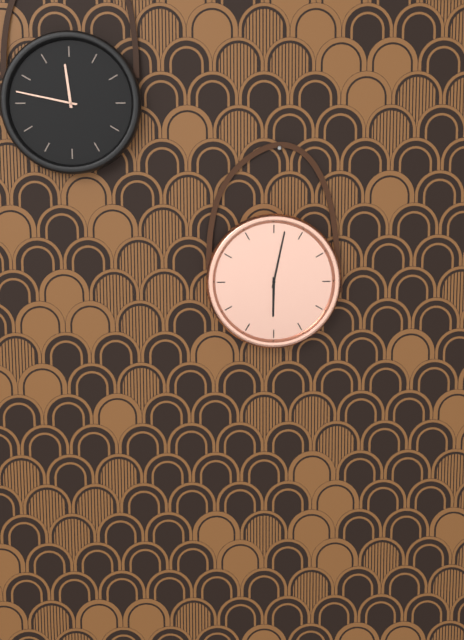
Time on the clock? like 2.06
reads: 6.02
